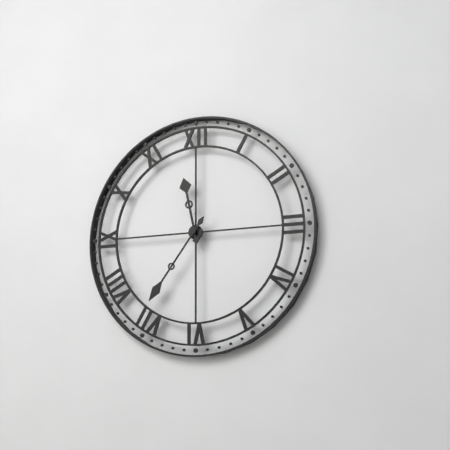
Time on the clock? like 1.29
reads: 11.36
